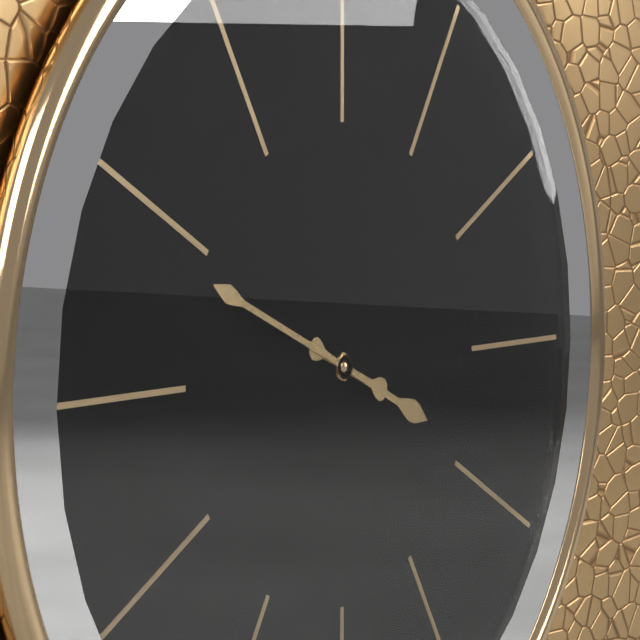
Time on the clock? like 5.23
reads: 3.49
